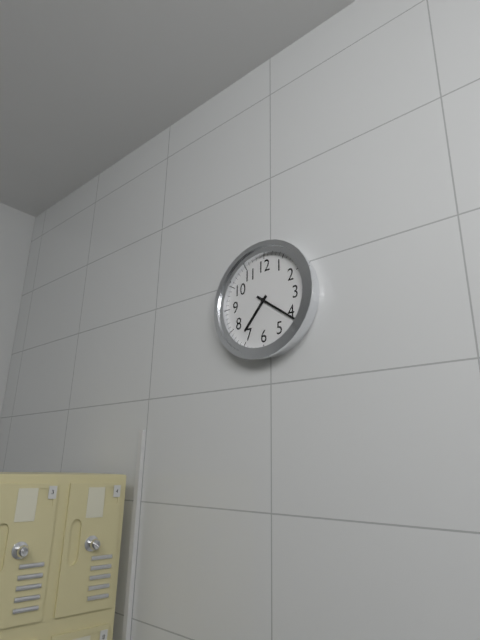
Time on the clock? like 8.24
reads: 7.21
